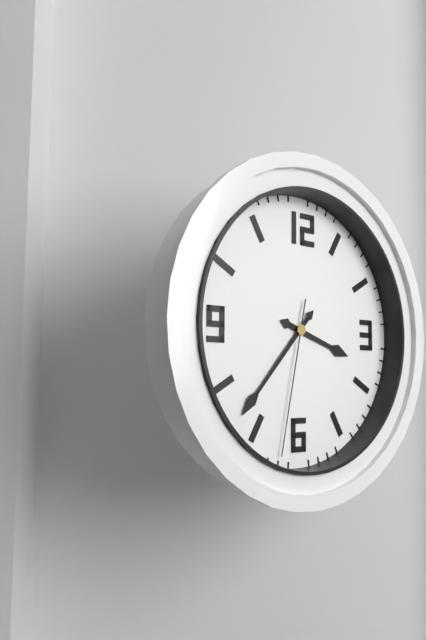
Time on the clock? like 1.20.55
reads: 3.37.32
